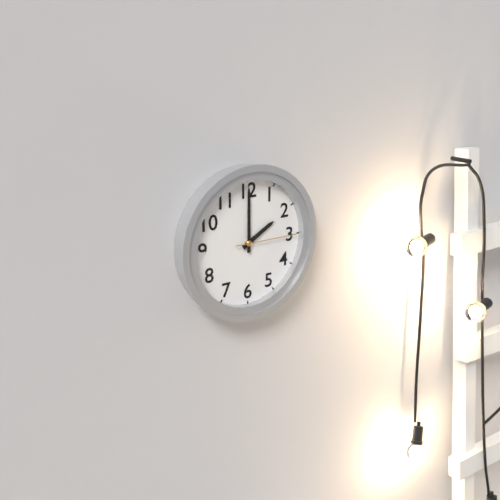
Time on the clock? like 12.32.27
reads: 2.00.15
